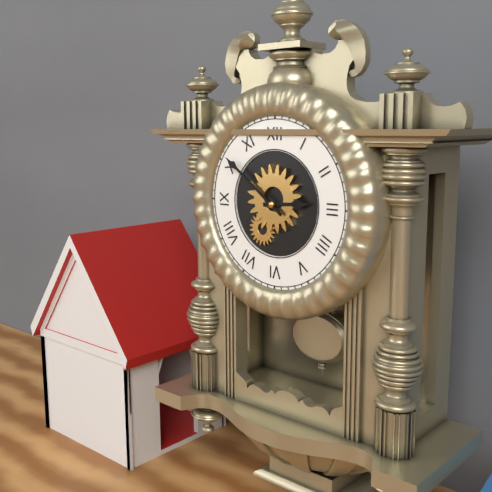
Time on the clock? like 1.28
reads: 2.51
